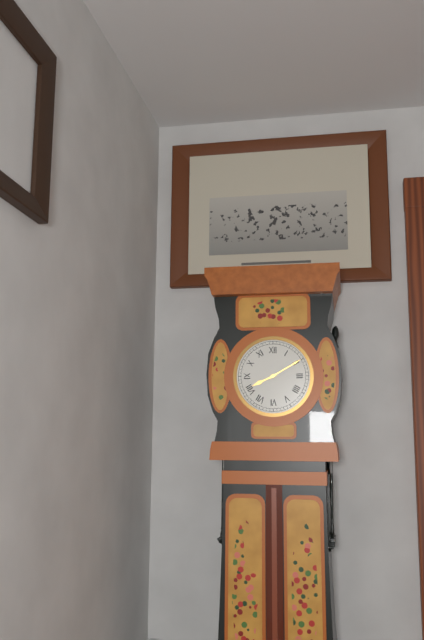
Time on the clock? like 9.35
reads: 8.10
